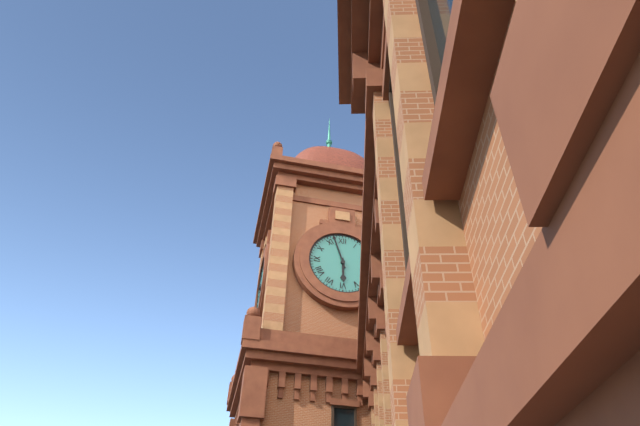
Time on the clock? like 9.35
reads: 5.57
